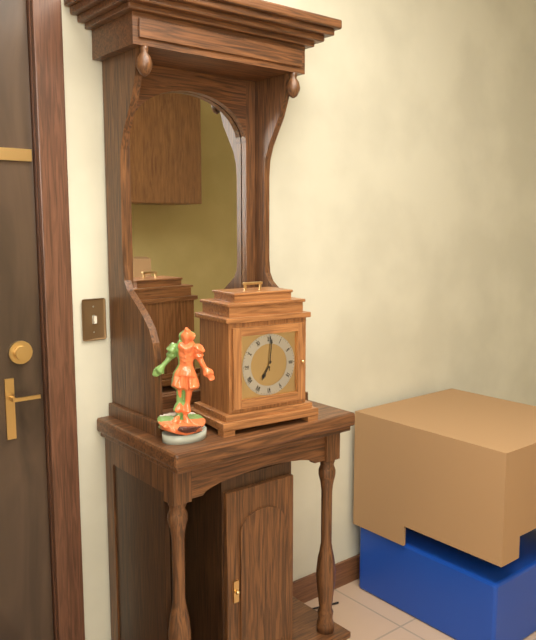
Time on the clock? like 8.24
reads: 7.01
